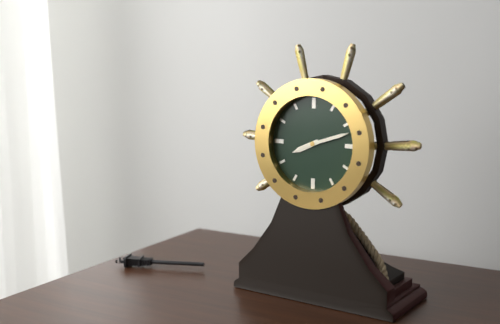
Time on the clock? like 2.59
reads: 8.12
